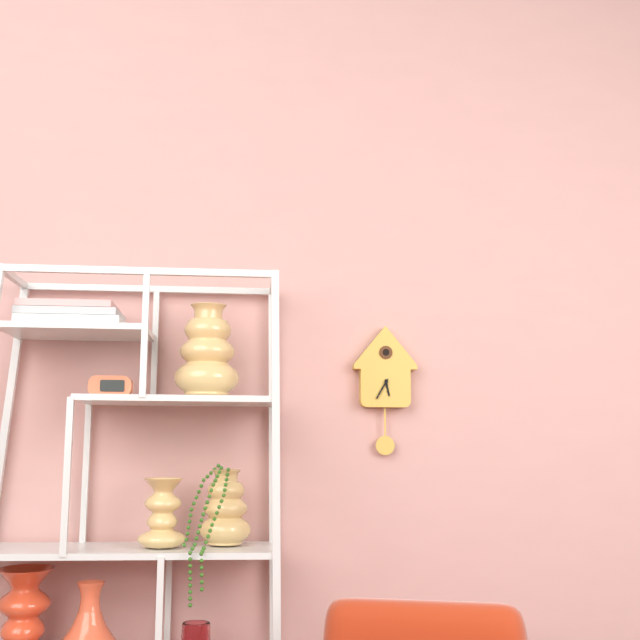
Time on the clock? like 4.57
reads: 5.35
